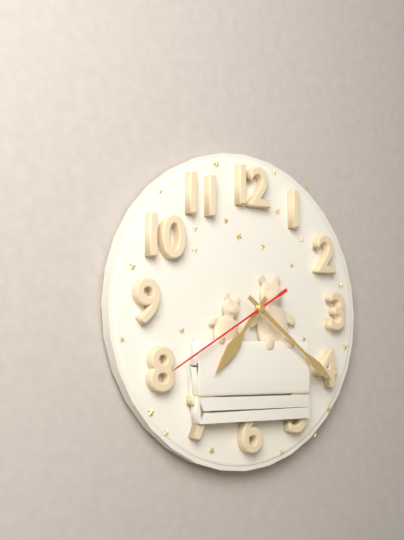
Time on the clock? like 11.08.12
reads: 7.21.40
